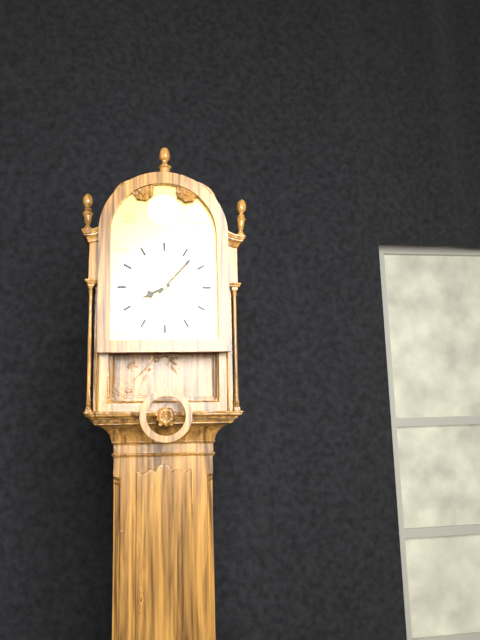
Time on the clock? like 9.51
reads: 8.07
